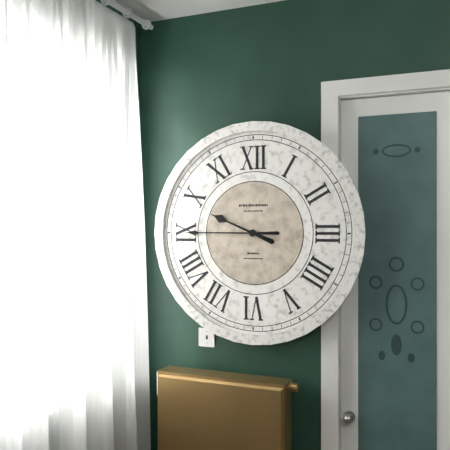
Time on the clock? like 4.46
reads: 9.45
